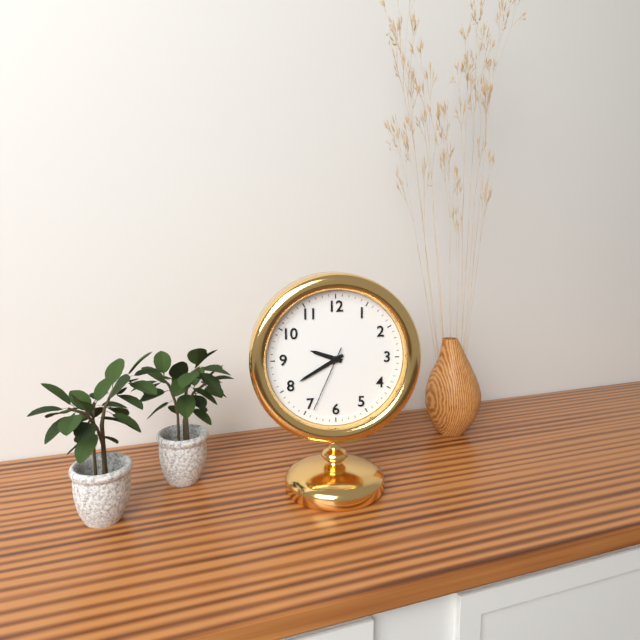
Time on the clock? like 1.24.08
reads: 9.40.34
